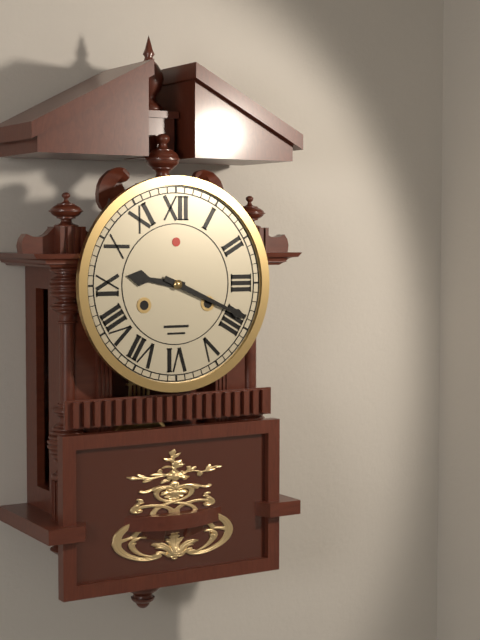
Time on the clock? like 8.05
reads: 9.19
